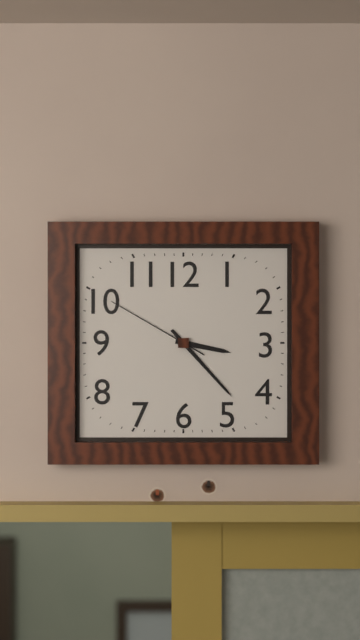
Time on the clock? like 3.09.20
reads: 3.23.50
